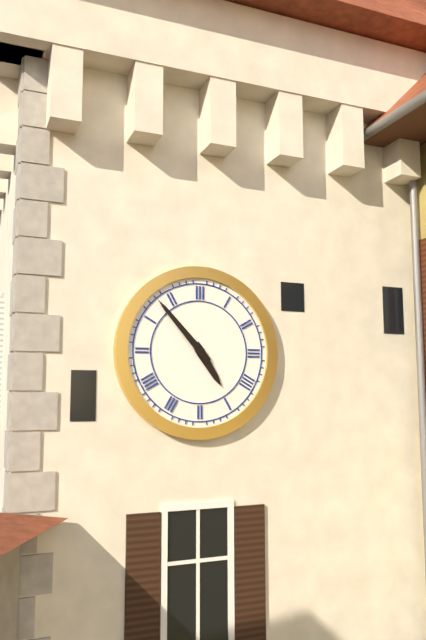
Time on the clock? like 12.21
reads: 4.53
